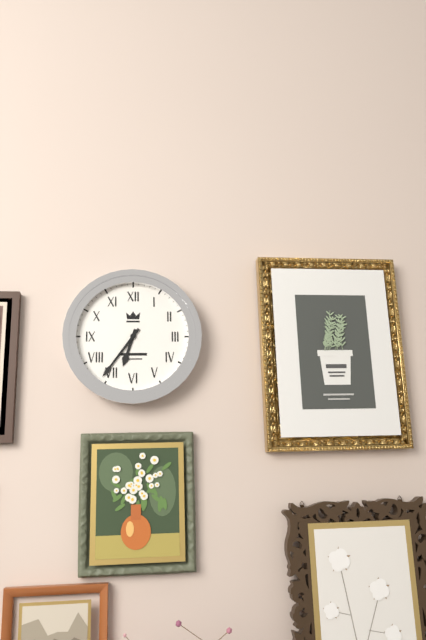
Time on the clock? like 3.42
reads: 6.36
